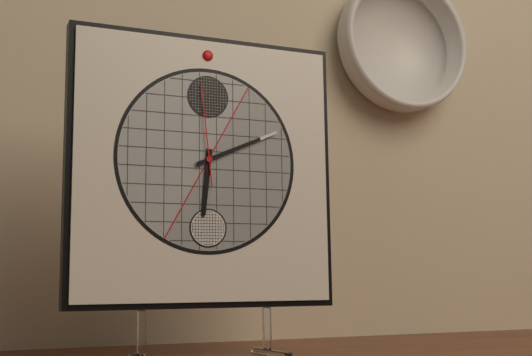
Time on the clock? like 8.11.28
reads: 6.11.59
